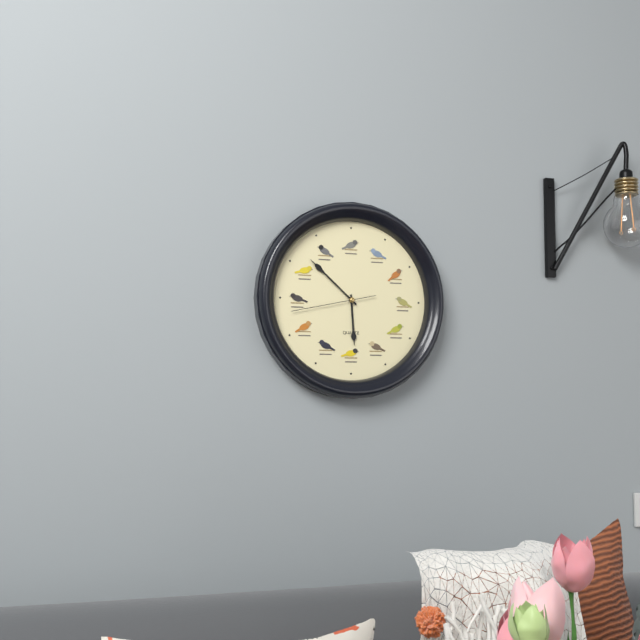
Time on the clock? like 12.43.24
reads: 5.52.43
